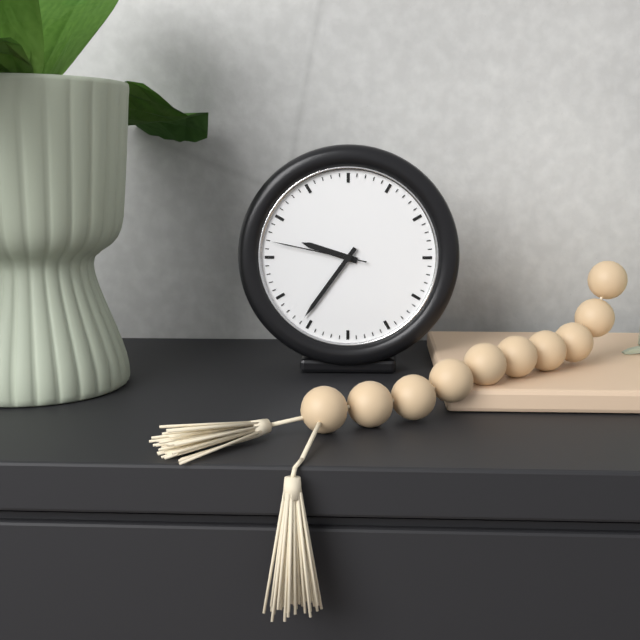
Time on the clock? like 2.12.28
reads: 9.36.47
